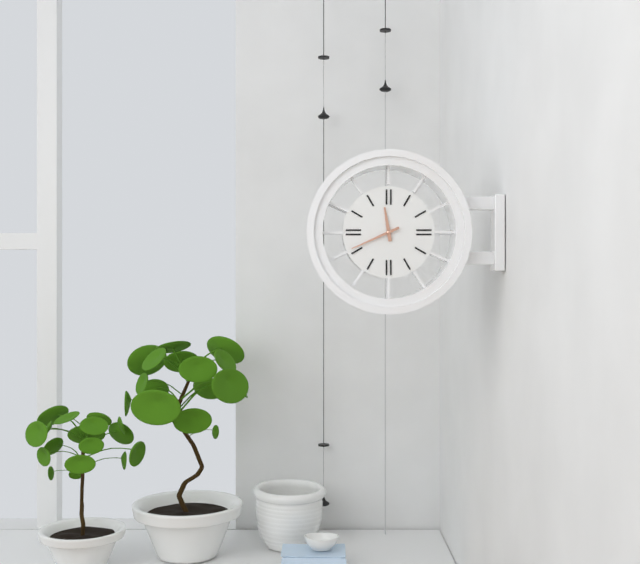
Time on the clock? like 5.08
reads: 11.41
